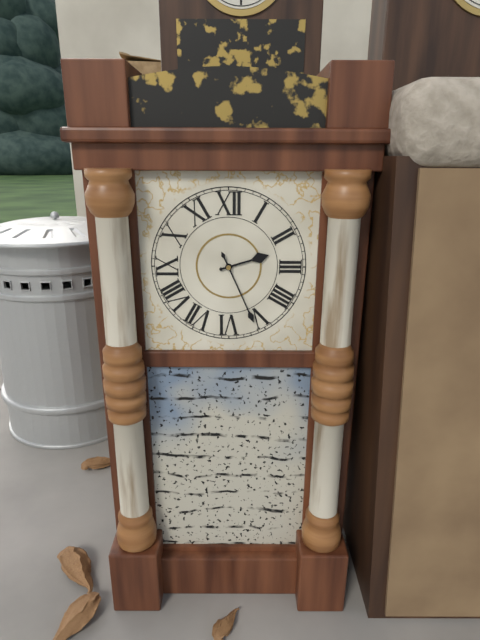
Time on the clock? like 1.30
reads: 2.26
